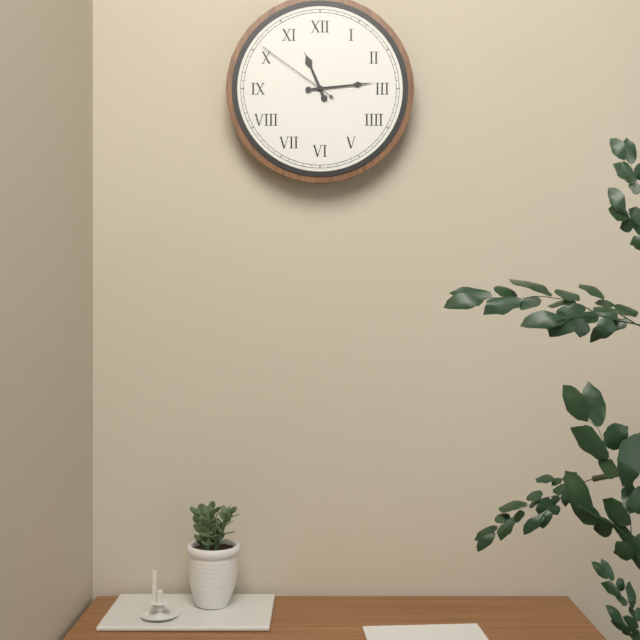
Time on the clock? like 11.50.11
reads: 11.14.51
